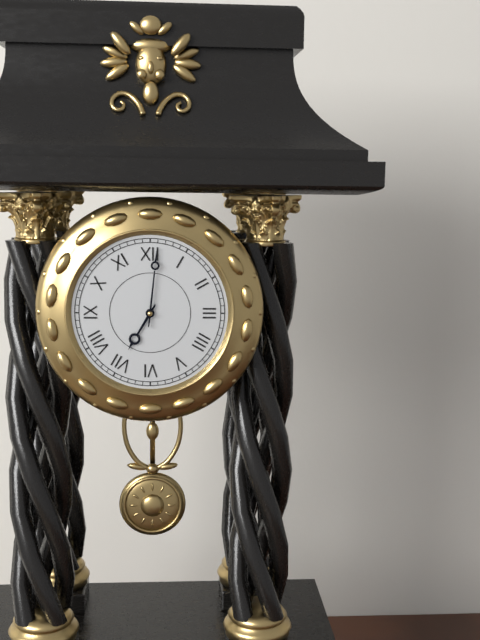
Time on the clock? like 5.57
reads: 7.01
